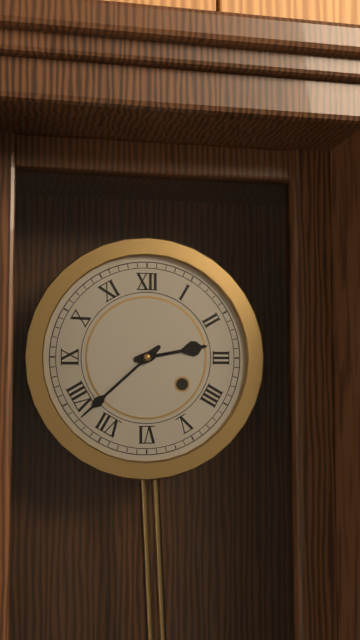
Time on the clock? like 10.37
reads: 2.38
